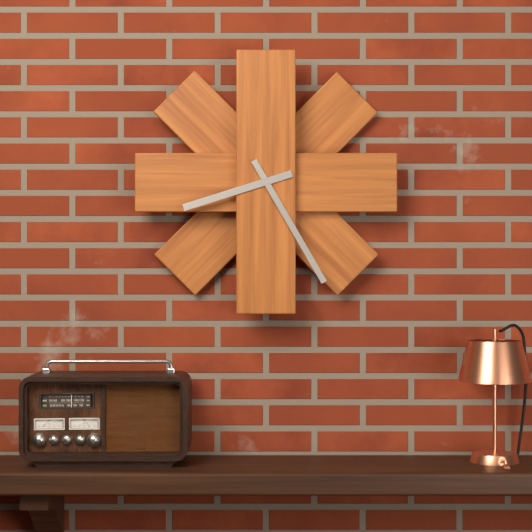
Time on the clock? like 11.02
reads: 8.25
